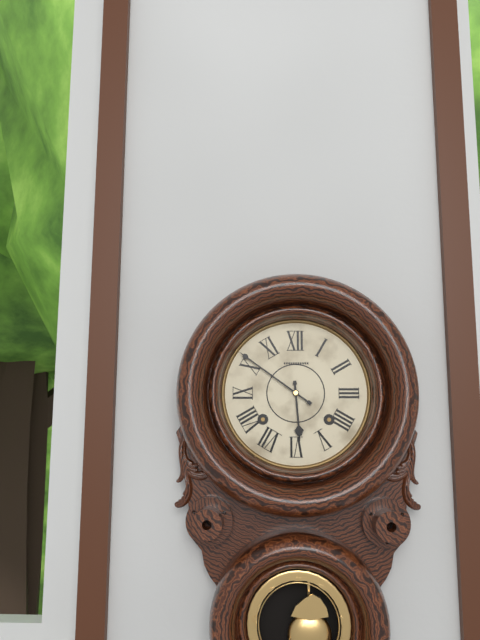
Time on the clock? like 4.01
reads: 5.51
